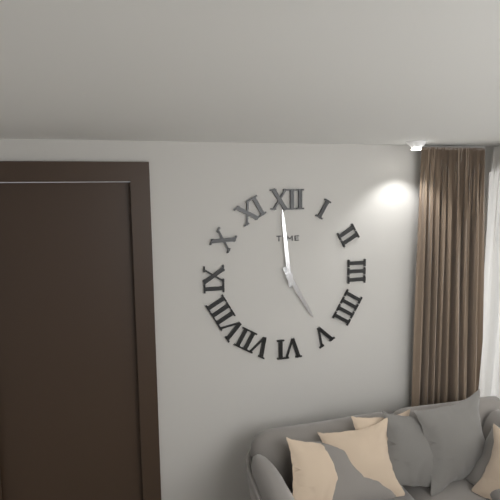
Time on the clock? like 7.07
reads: 4.59
